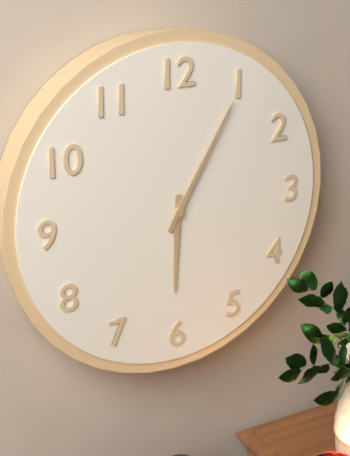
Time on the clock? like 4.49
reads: 6.05
